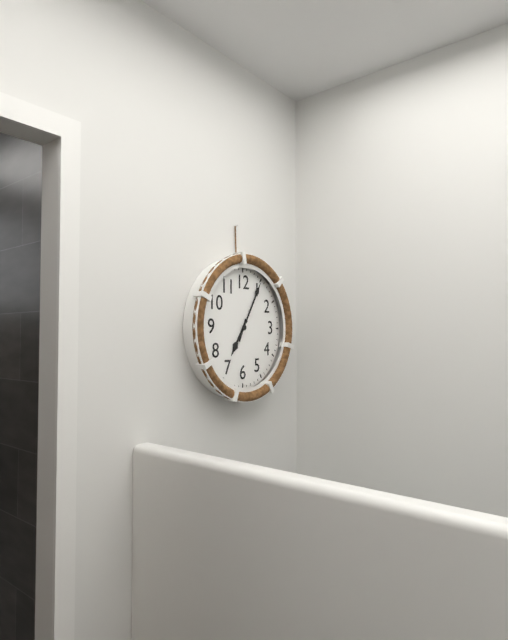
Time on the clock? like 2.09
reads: 7.05
